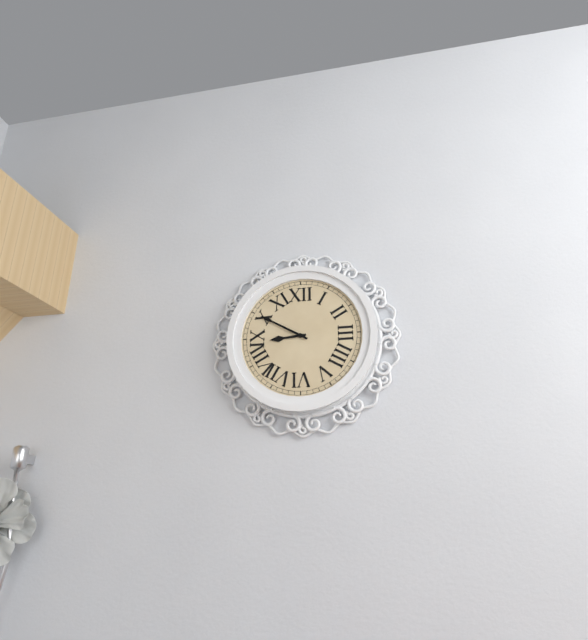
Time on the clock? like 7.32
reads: 8.50
